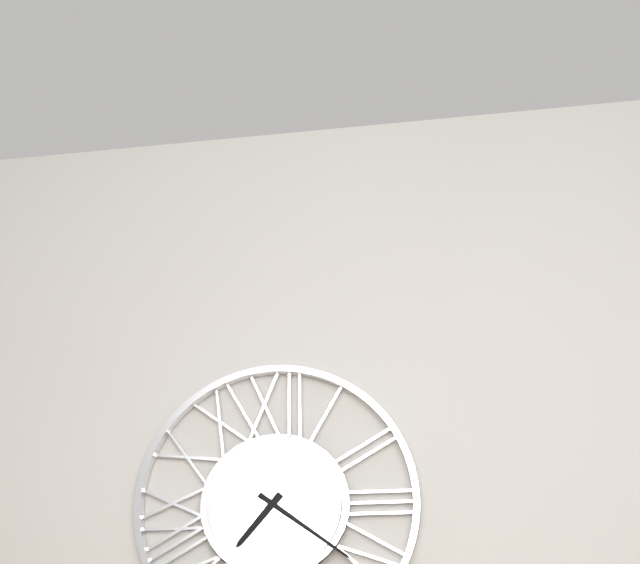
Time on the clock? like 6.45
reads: 7.21
